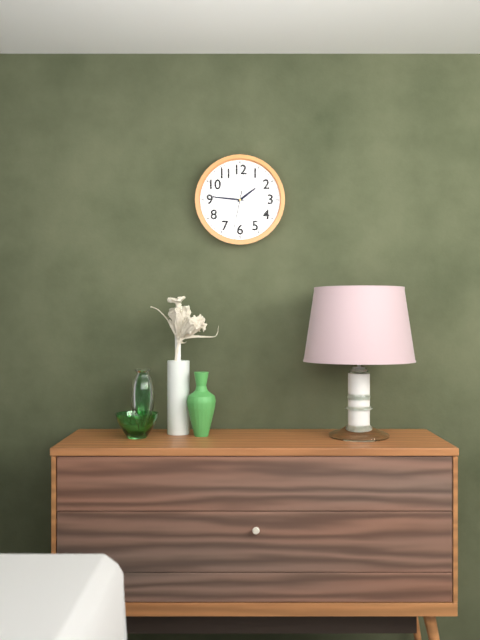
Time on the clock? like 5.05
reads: 1.46
